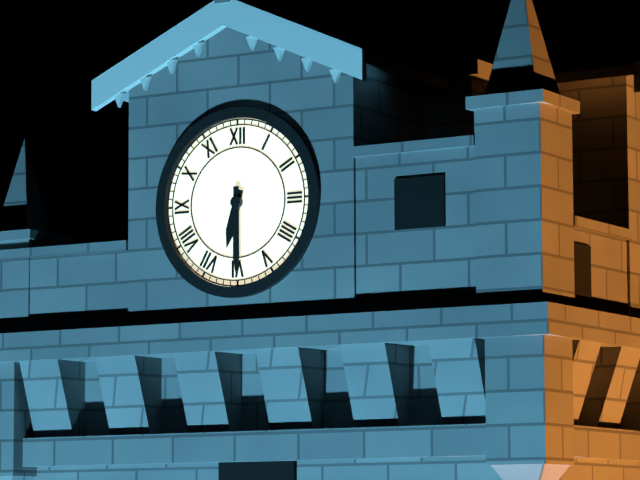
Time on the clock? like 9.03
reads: 6.30
